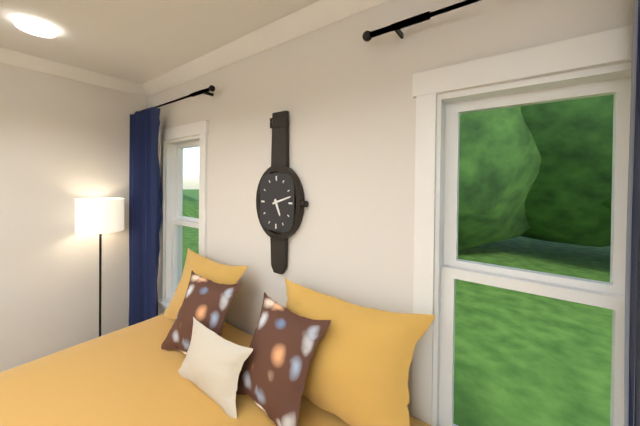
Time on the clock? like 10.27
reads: 5.12
